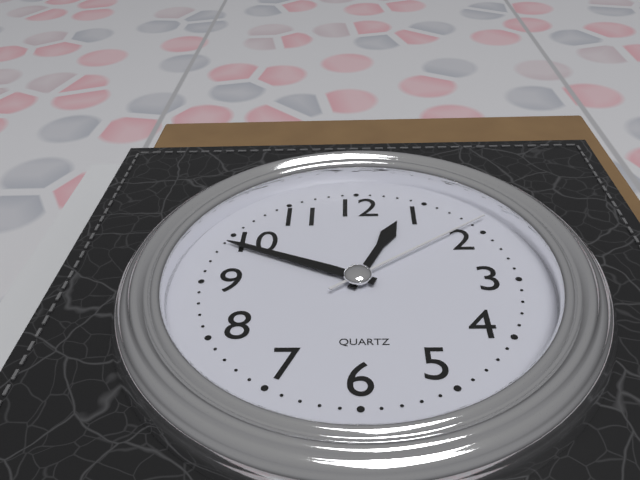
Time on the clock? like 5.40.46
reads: 12.49.09
